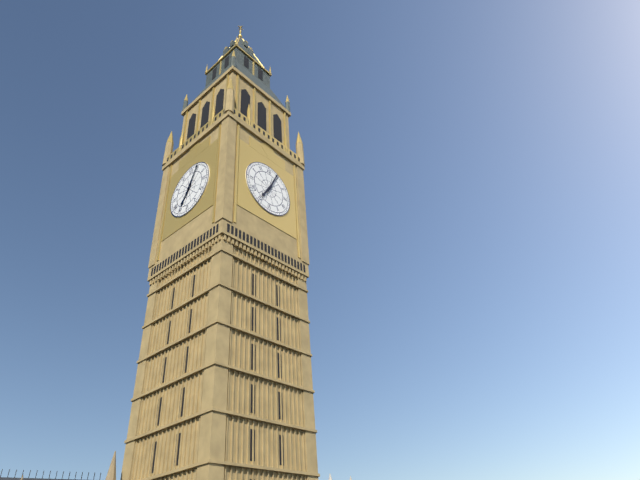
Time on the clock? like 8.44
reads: 7.04
